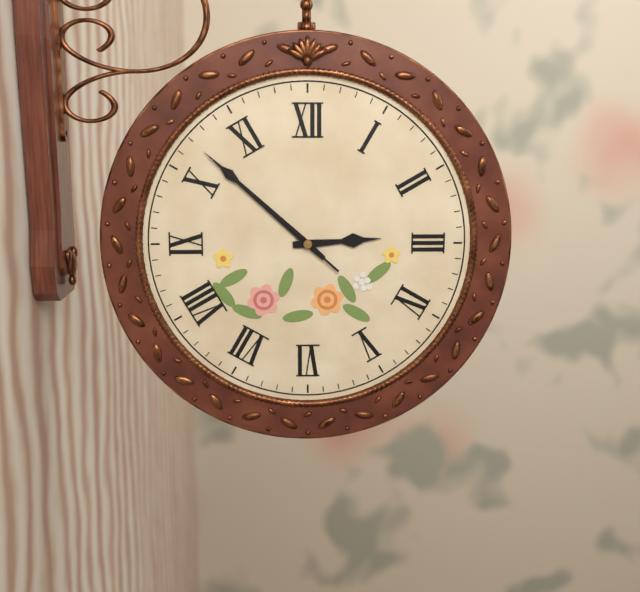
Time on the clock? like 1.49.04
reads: 2.52.52
